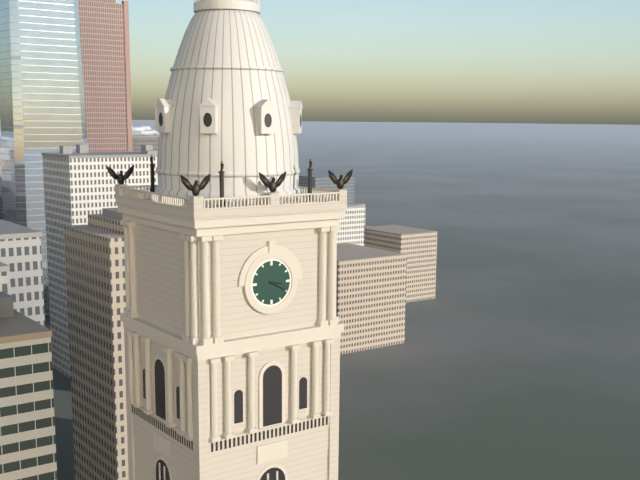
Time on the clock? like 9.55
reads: 3.20
